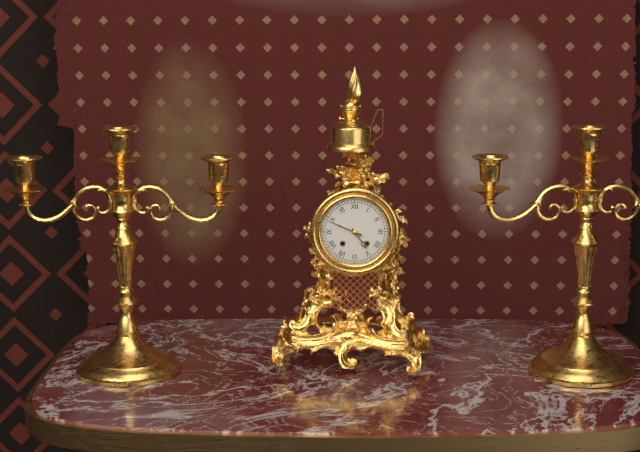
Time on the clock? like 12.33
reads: 4.49
